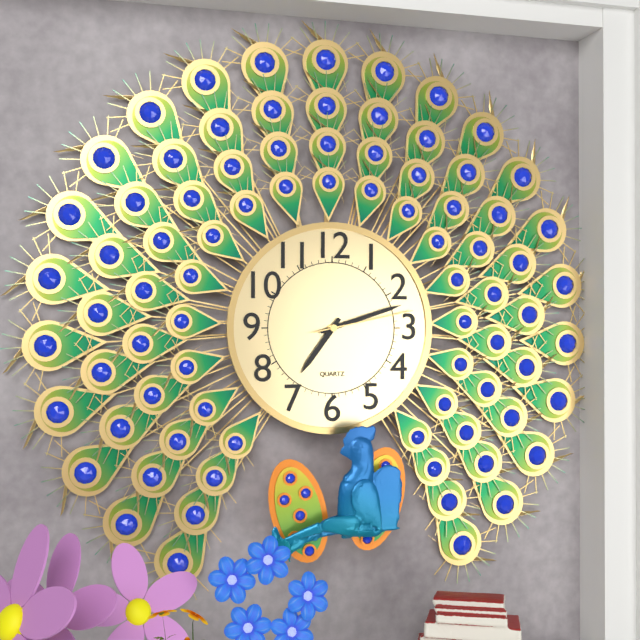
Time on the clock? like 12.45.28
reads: 7.12.13
